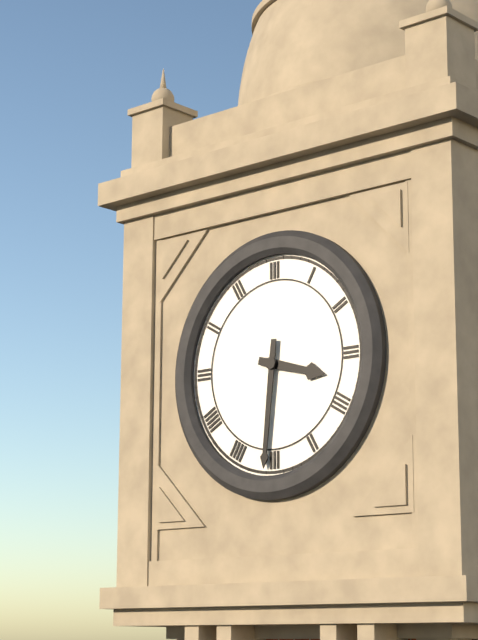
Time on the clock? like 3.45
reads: 3.31
